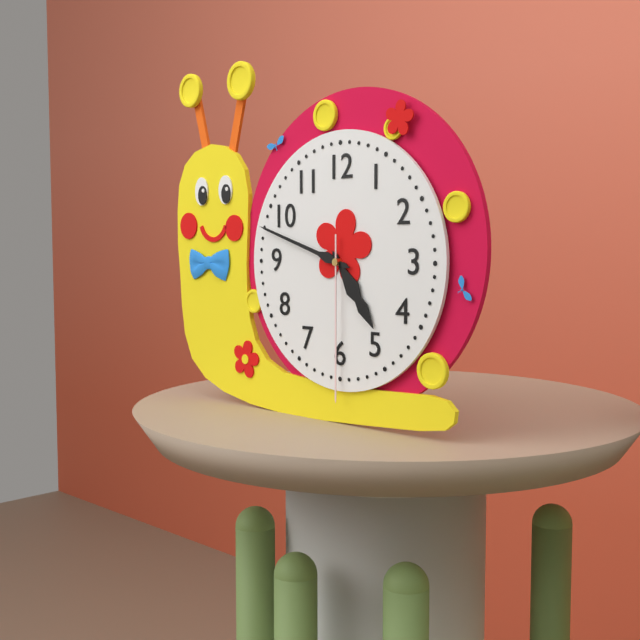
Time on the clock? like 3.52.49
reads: 4.48.30
